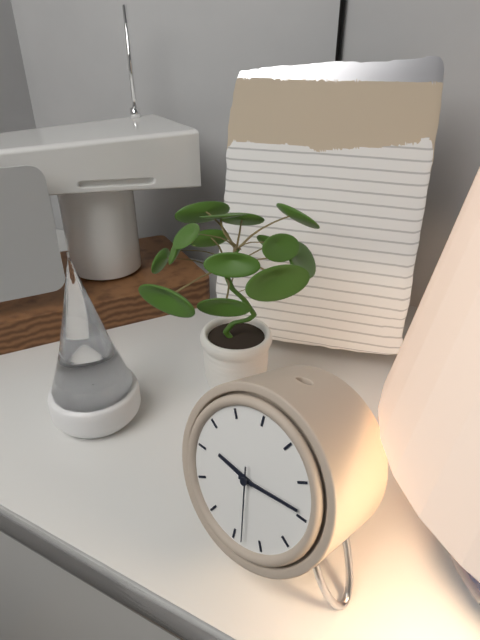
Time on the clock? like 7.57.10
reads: 9.14.28
